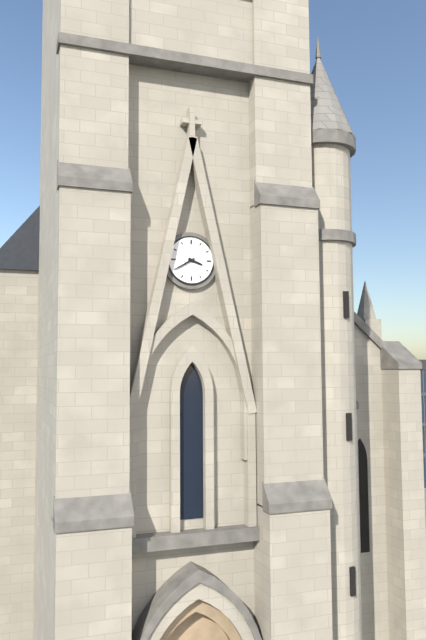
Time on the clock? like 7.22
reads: 3.40
